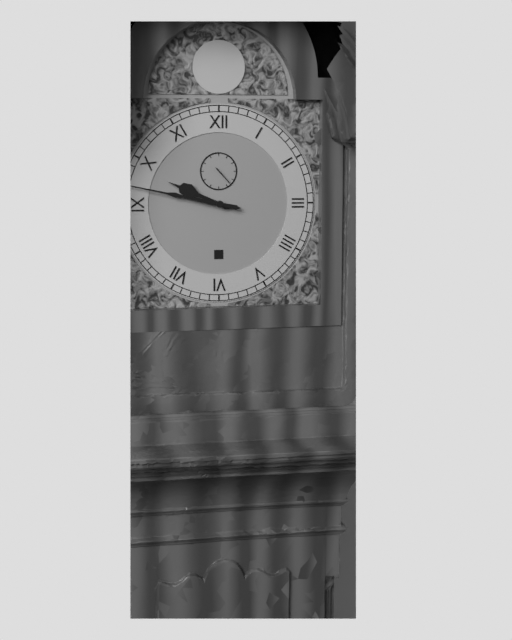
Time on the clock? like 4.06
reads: 9.47
